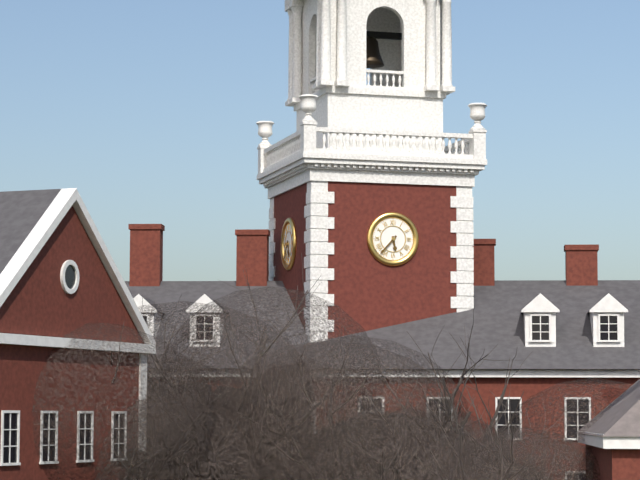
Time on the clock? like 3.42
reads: 5.37
